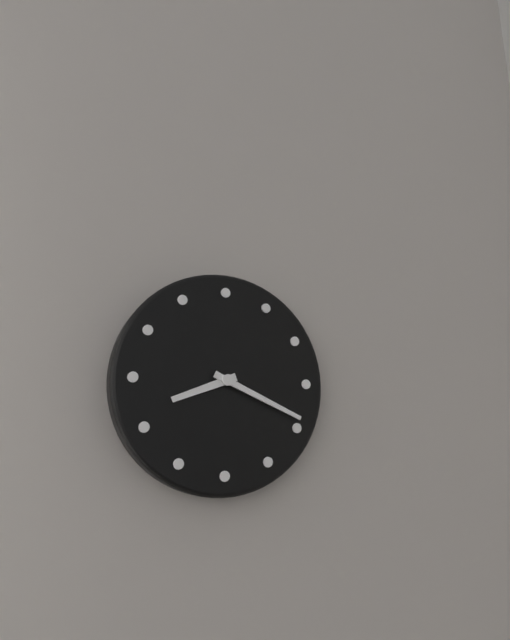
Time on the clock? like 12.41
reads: 8.19
